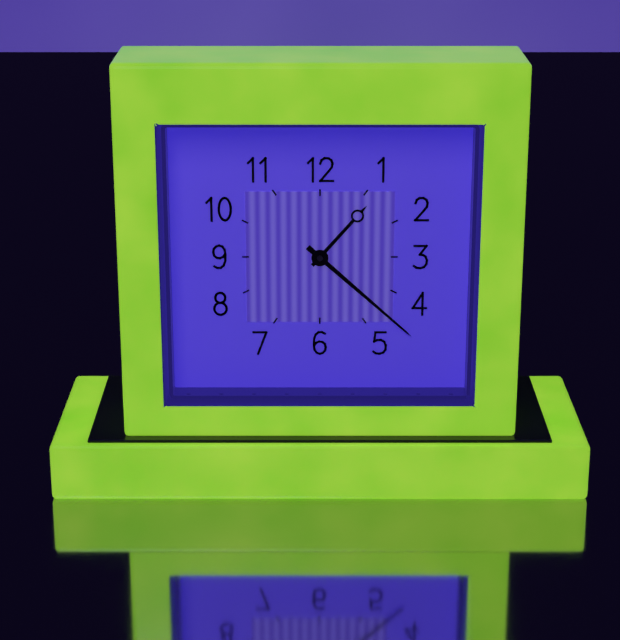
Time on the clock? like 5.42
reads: 1.22
